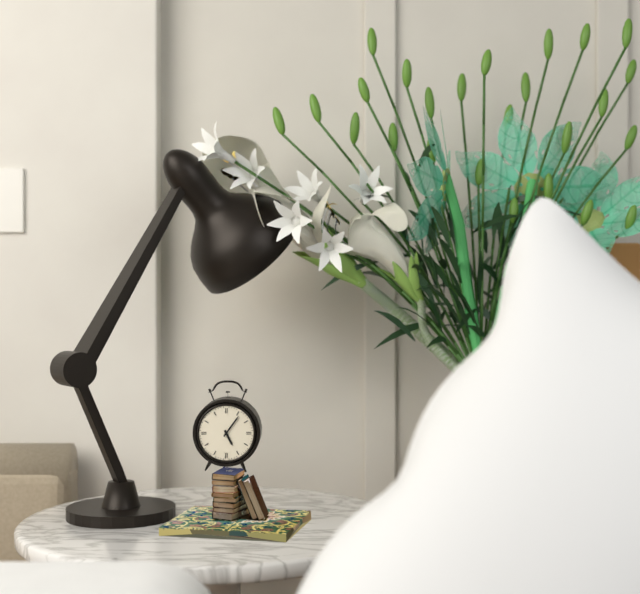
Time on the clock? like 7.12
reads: 5.06
